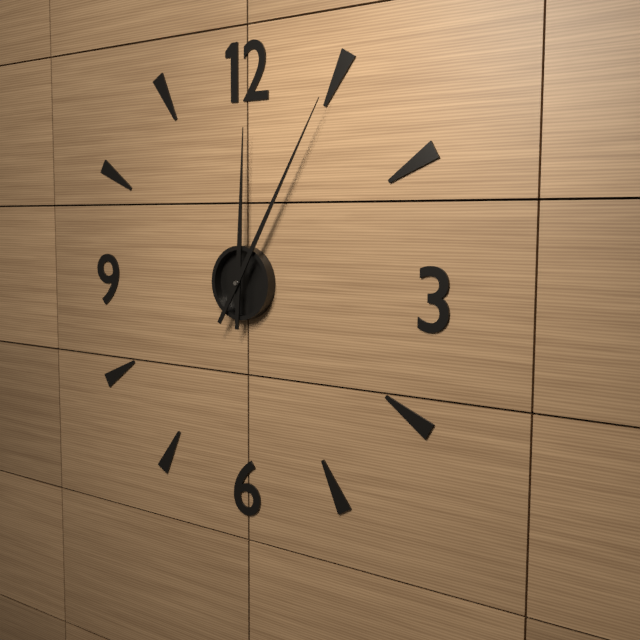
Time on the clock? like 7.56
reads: 12.05
